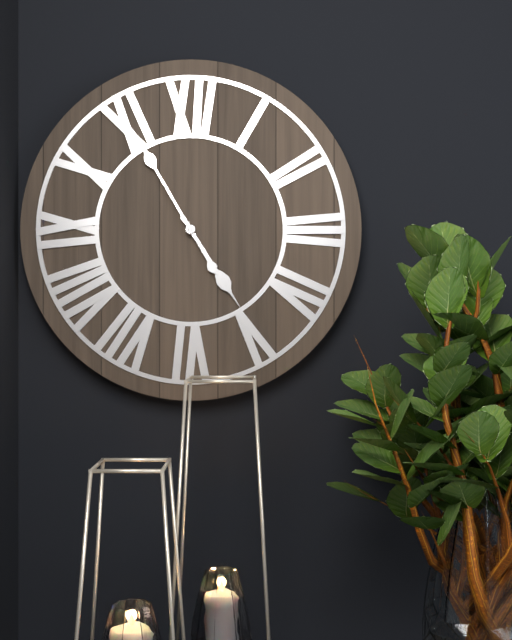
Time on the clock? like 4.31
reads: 4.55
